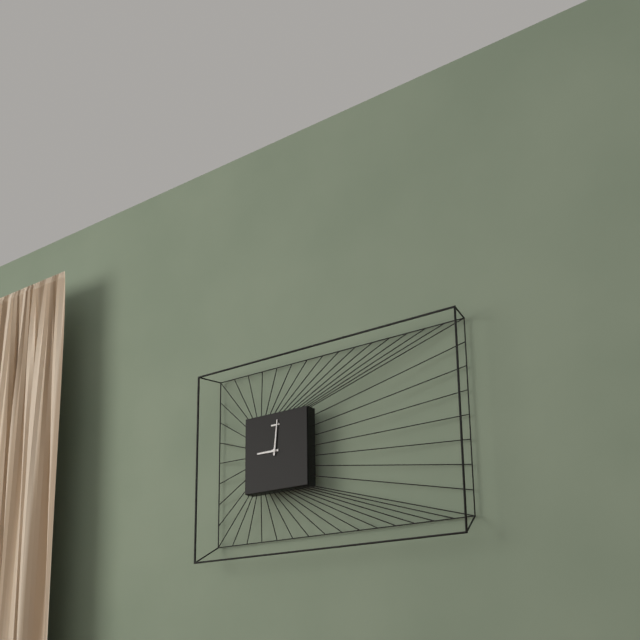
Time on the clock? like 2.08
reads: 9.01
